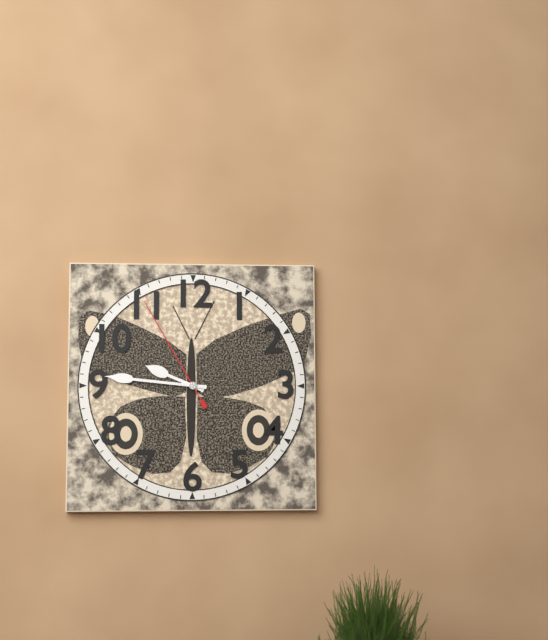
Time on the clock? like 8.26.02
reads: 9.46.55
